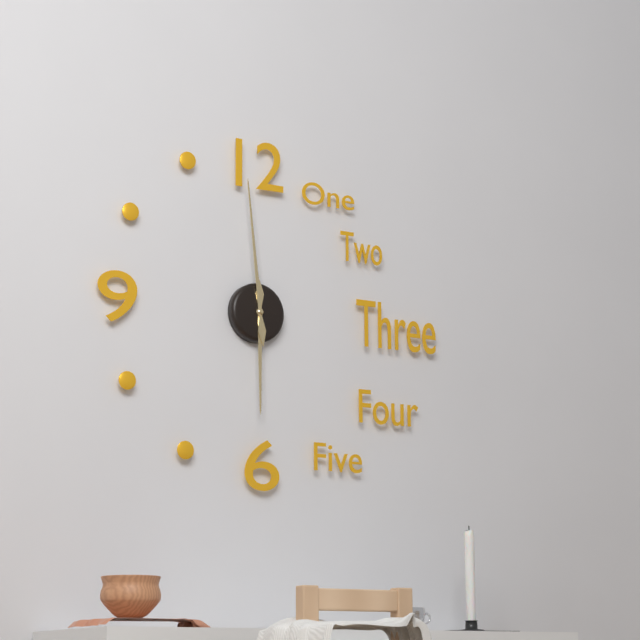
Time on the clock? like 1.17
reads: 5.59
